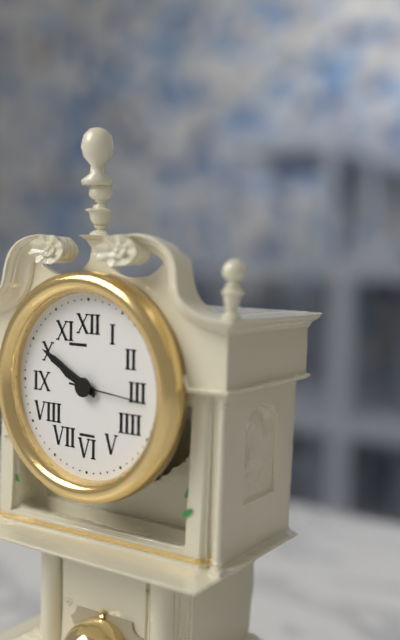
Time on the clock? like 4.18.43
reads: 9.50.16
